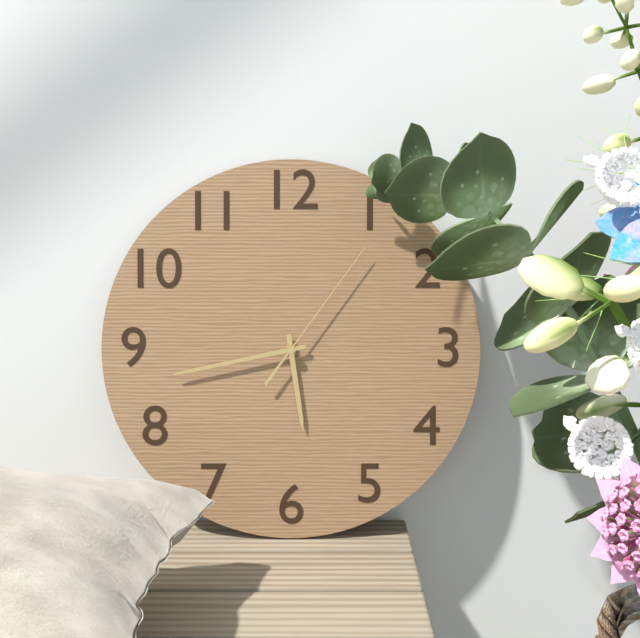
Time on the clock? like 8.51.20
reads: 5.43.06
